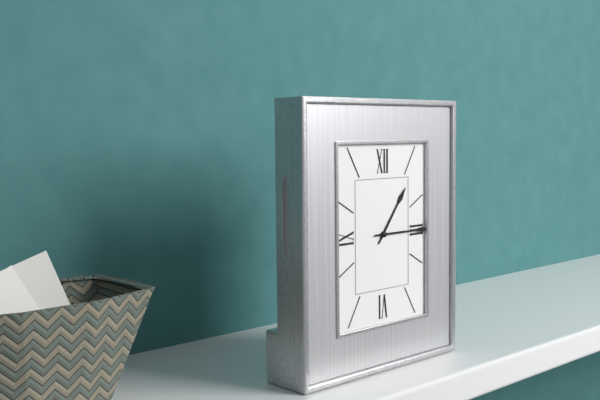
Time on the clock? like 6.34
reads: 1.15
